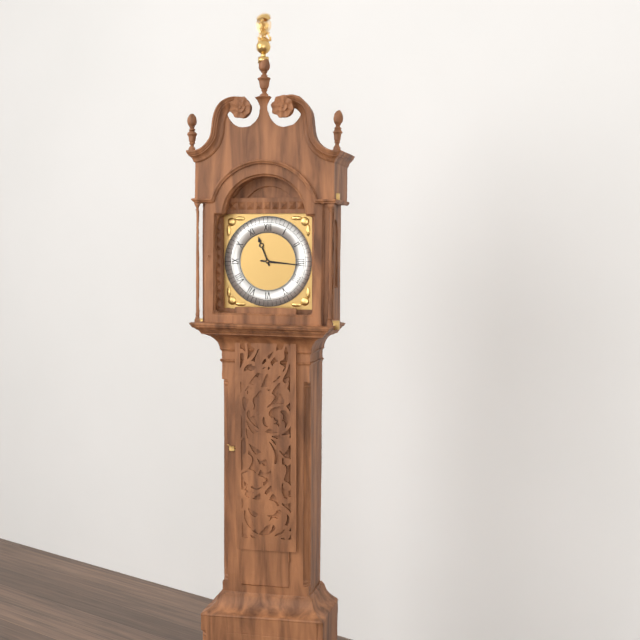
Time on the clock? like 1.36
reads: 11.16
